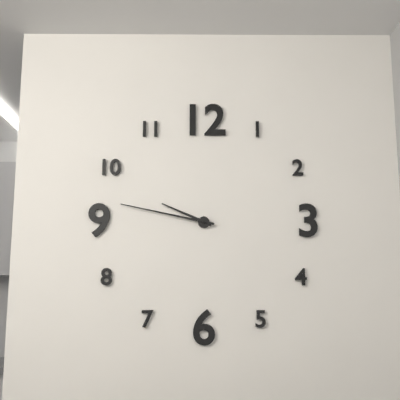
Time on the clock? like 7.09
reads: 9.47
